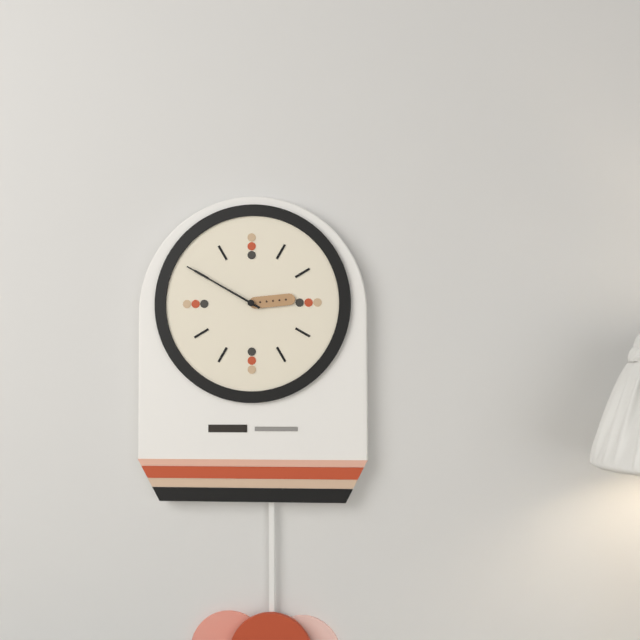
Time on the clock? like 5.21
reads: 2.50
